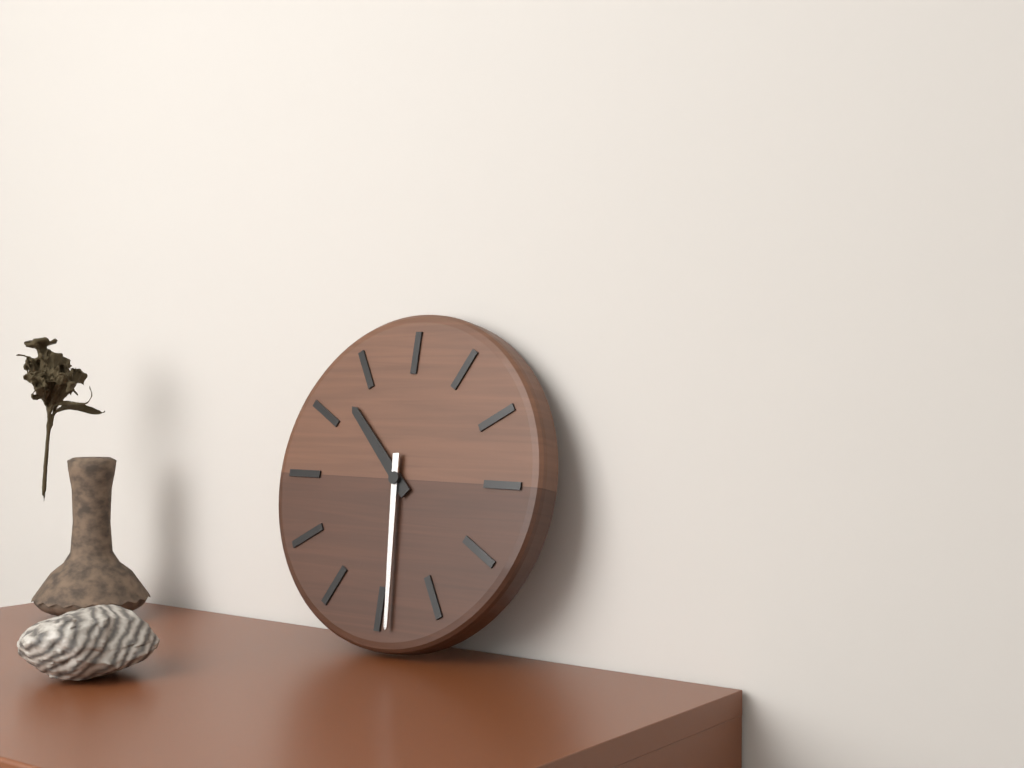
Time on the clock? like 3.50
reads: 10.29
